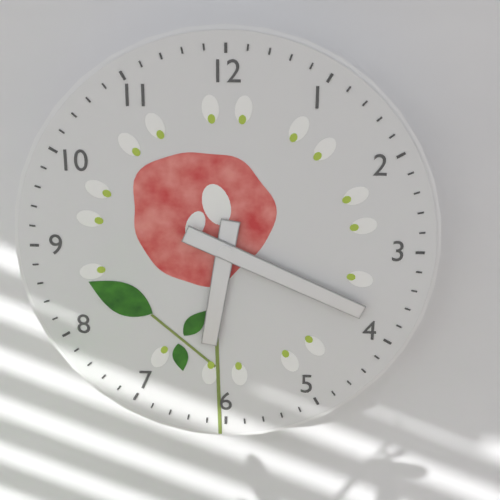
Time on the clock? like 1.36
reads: 6.19
